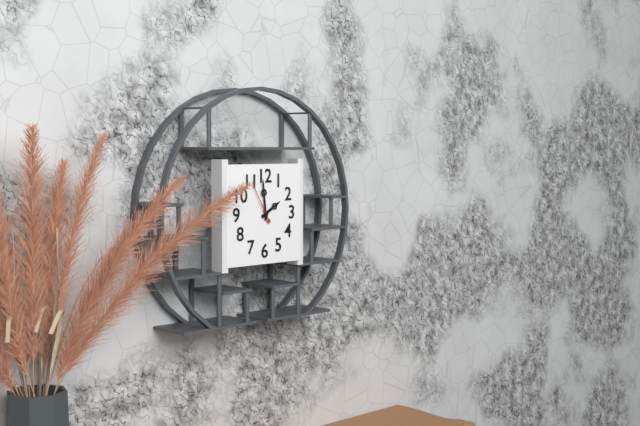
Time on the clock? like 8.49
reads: 1.59
